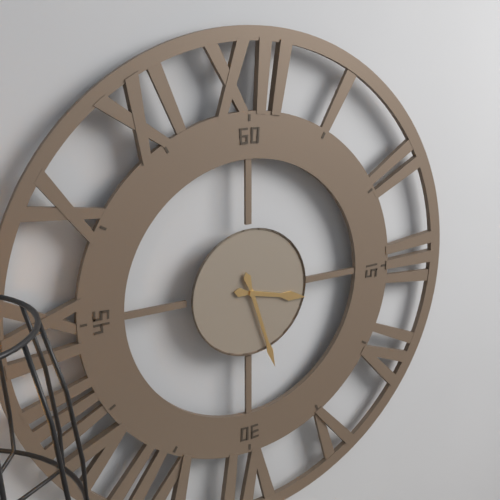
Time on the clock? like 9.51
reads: 3.27
